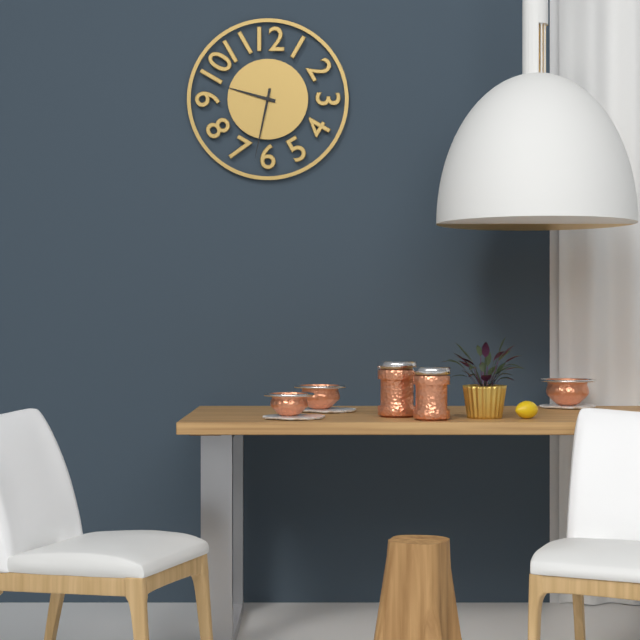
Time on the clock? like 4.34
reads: 9.32
